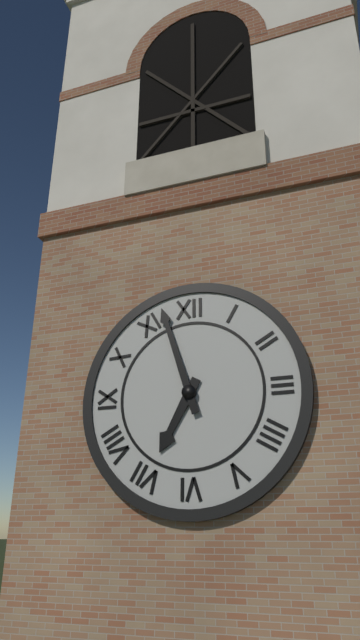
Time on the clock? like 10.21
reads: 6.57
